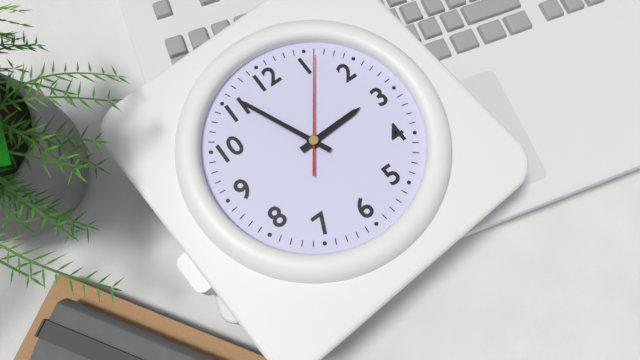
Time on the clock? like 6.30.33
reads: 2.56.06
